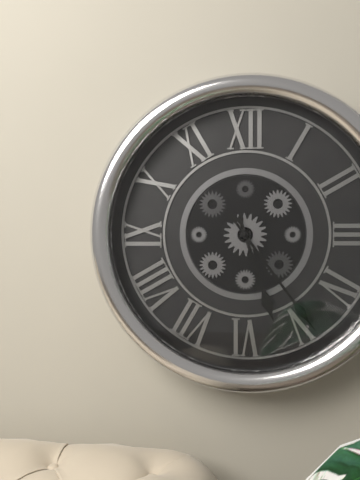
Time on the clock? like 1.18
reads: 5.24
